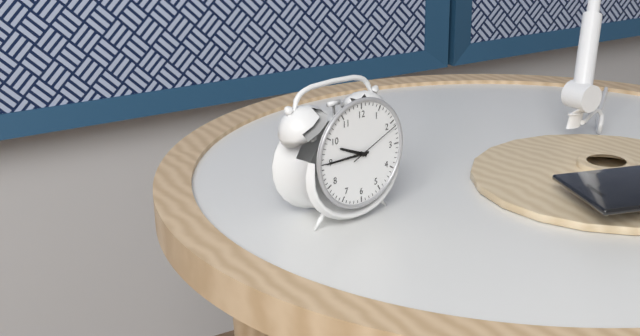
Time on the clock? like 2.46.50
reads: 9.45.11
